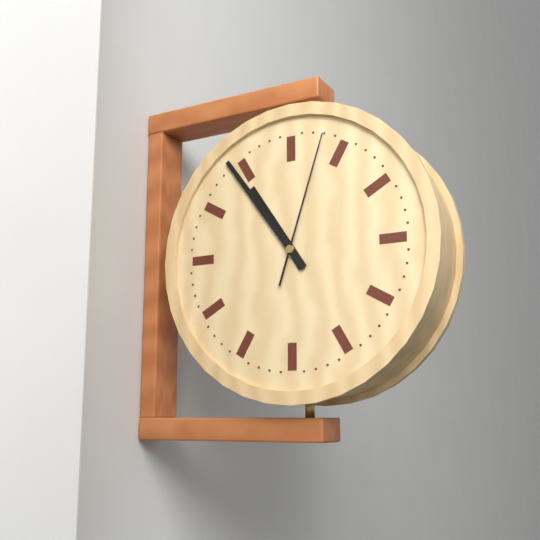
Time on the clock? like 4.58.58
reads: 10.54.03
